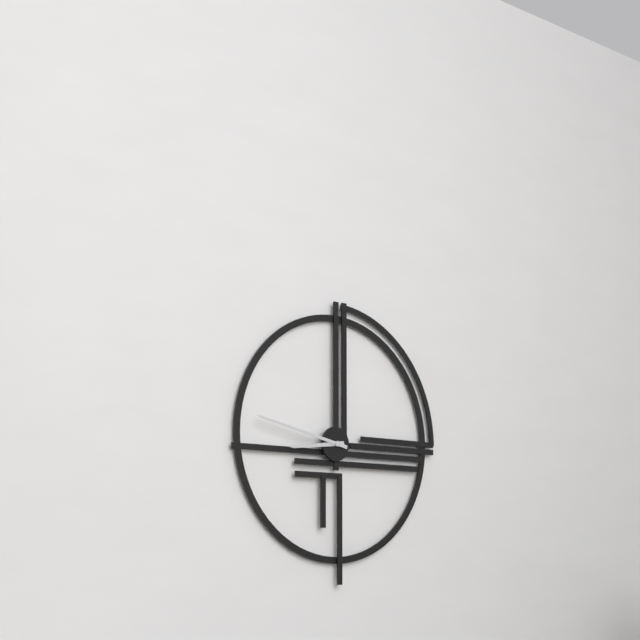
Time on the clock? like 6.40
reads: 8.47
